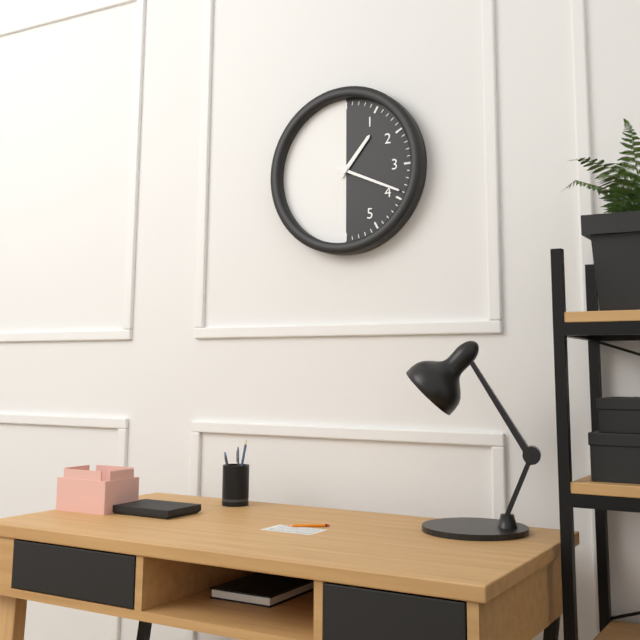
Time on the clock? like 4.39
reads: 1.19
